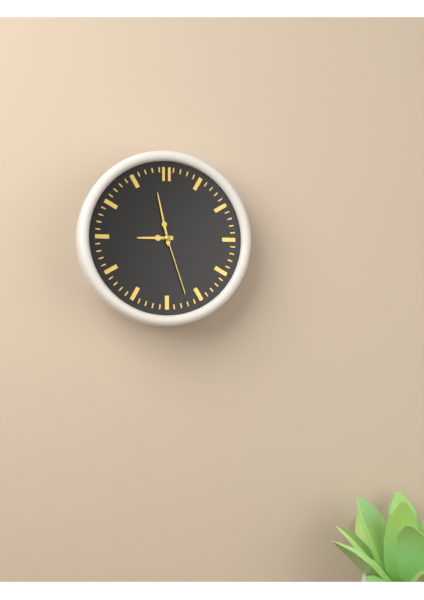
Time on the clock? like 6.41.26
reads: 8.58.27
